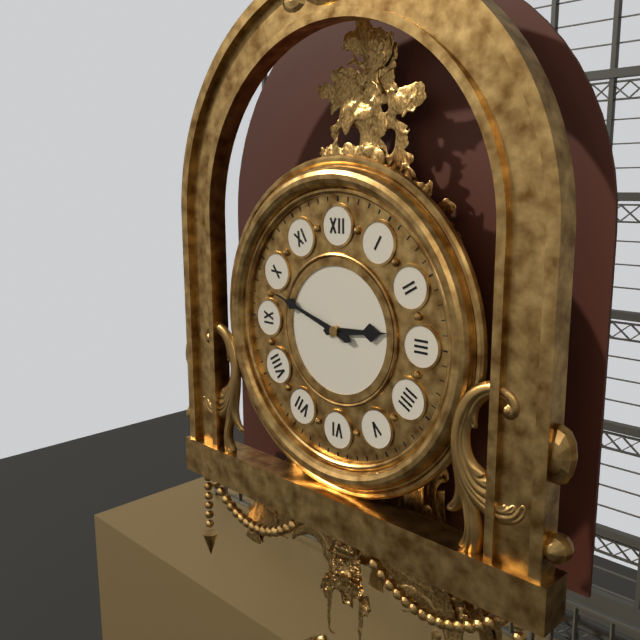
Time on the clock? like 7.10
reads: 2.48
